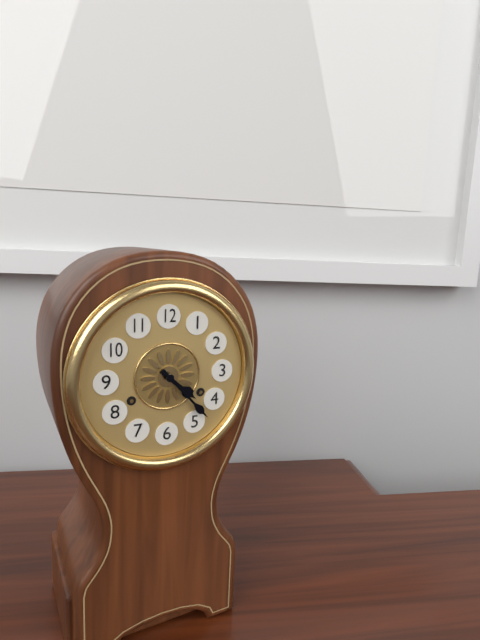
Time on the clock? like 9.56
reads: 4.23
